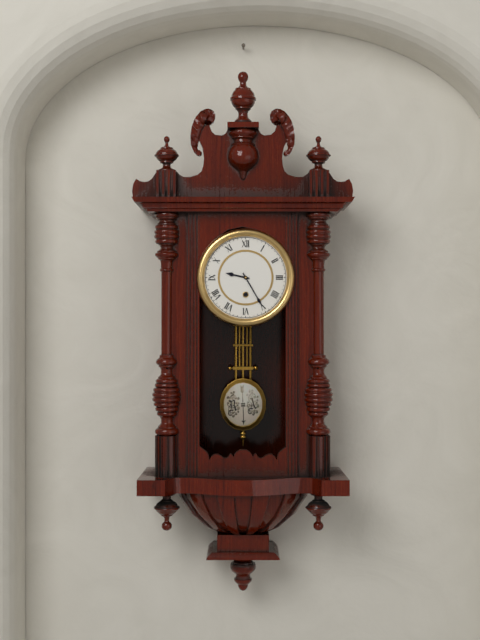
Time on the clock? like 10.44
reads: 9.25
